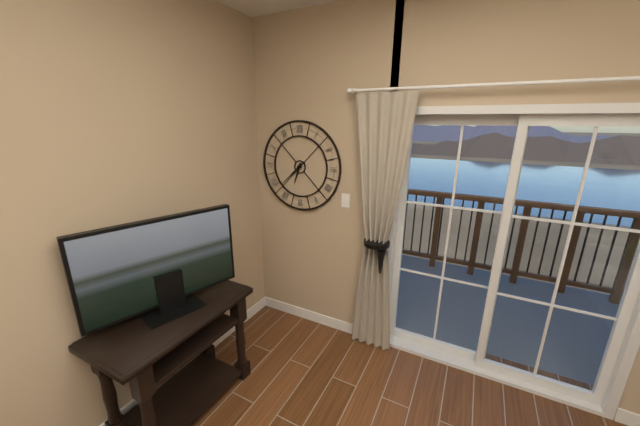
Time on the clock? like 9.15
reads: 6.38
